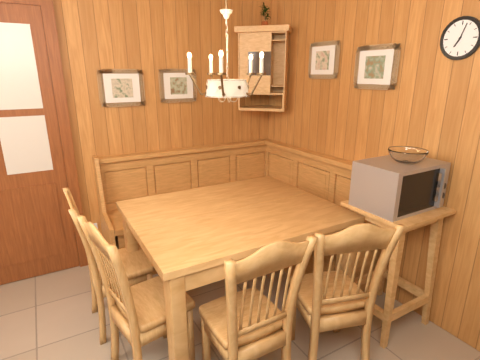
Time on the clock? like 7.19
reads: 7.03
